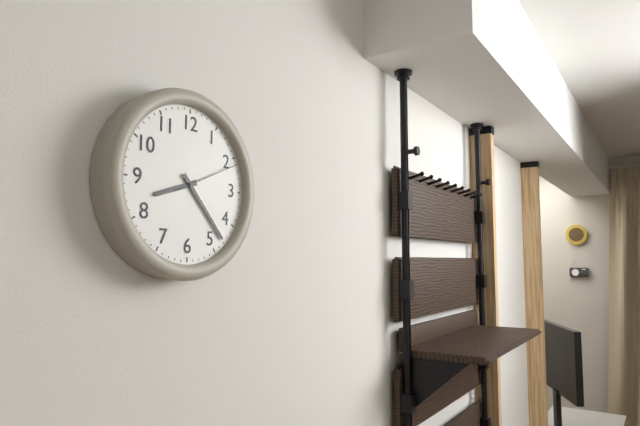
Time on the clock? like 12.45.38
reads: 8.23.11
